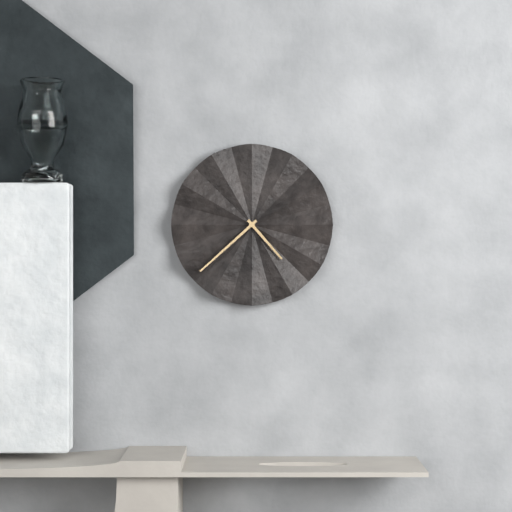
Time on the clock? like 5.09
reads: 4.38
